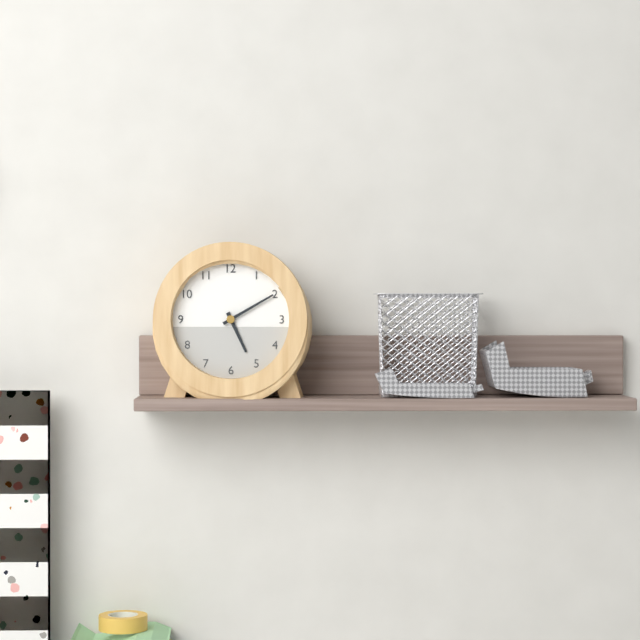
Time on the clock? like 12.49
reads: 5.10
